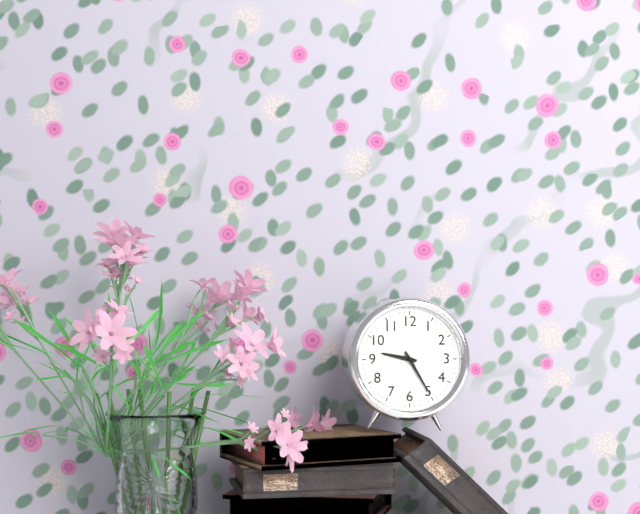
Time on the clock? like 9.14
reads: 9.25
